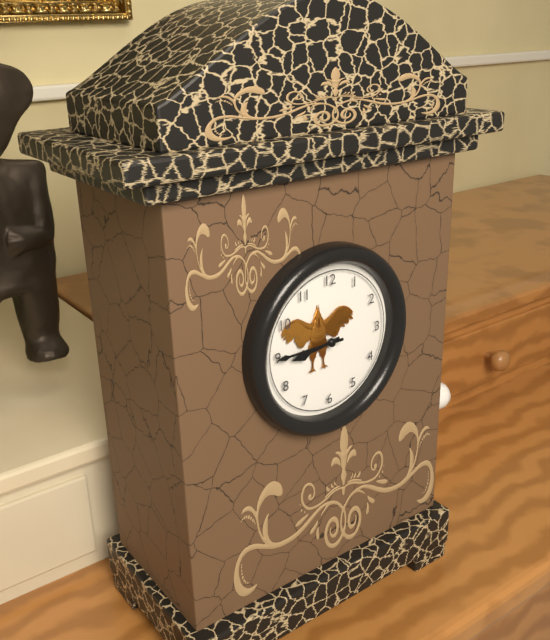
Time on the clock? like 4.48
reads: 8.45
